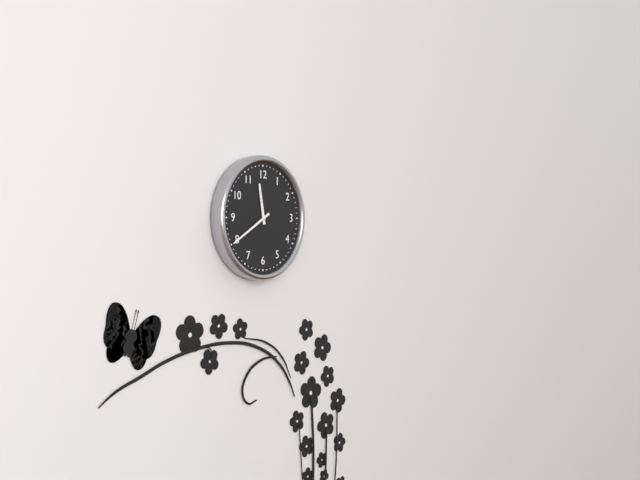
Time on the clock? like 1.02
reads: 11.40
